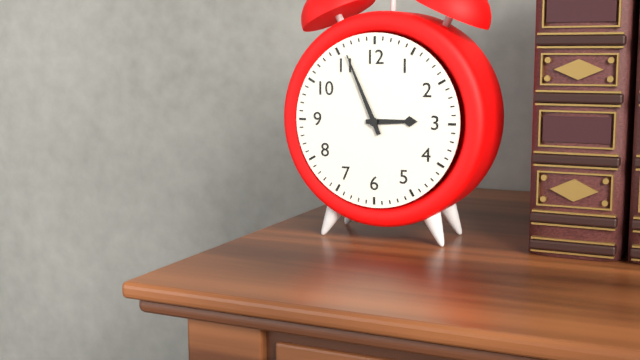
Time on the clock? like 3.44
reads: 2.56
